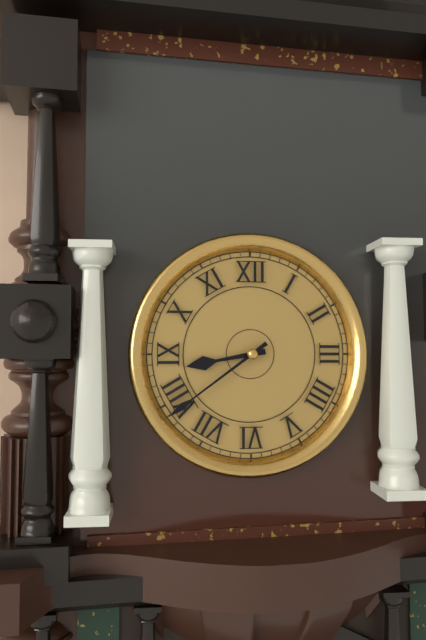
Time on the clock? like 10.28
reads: 8.39
